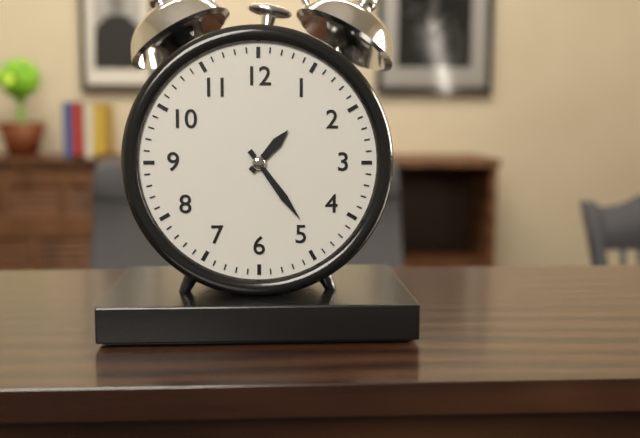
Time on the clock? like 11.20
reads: 1.24
